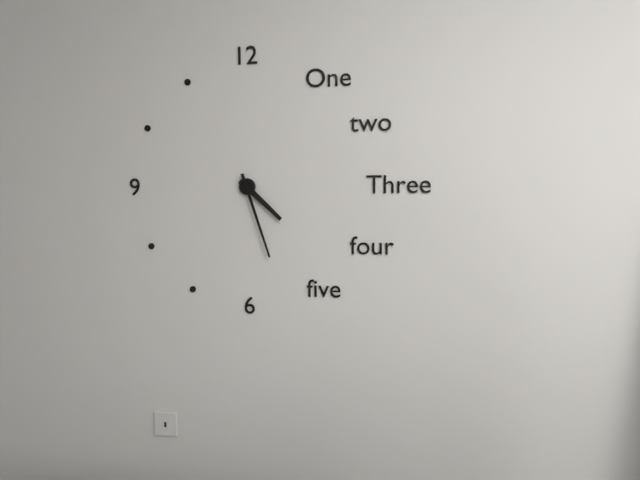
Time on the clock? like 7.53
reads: 4.27
